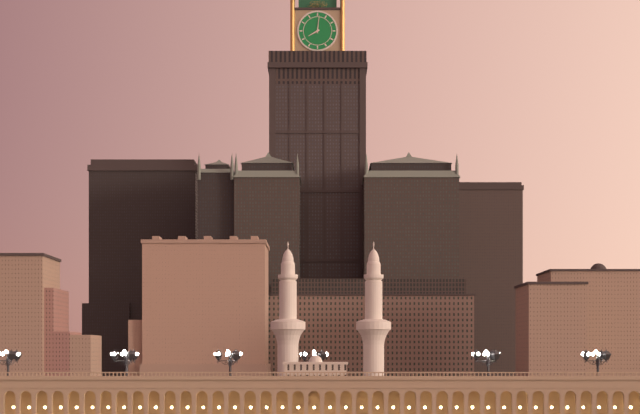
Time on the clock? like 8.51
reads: 8.01
